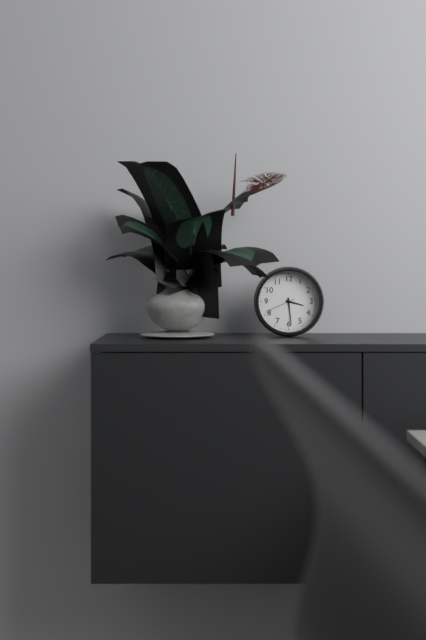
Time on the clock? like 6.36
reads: 3.29
